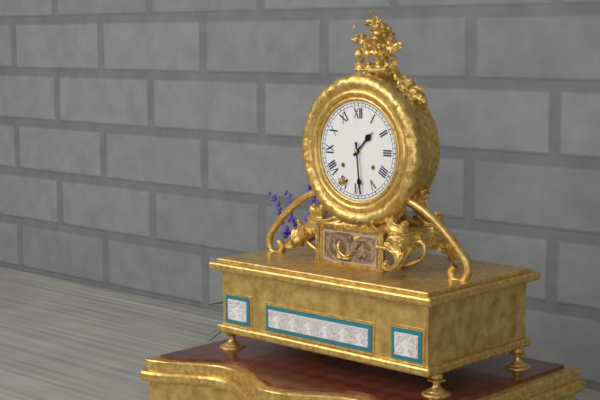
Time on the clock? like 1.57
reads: 1.29
